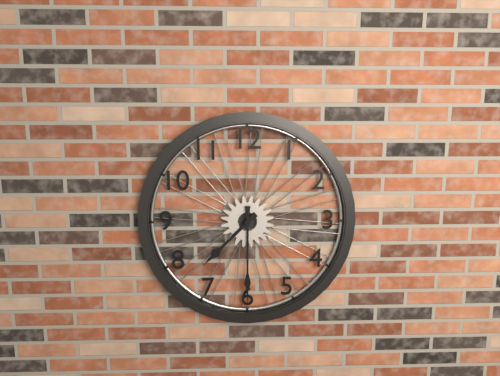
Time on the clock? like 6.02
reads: 7.30
